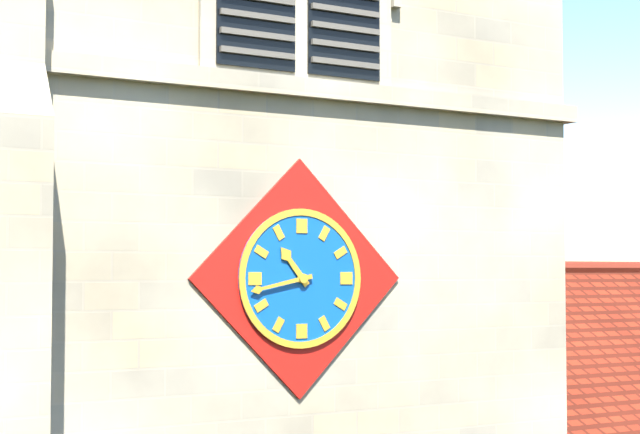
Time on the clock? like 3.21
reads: 10.43
